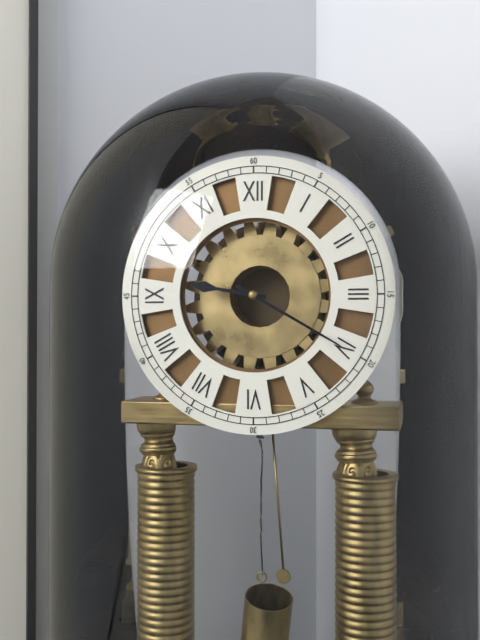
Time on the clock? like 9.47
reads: 9.20
